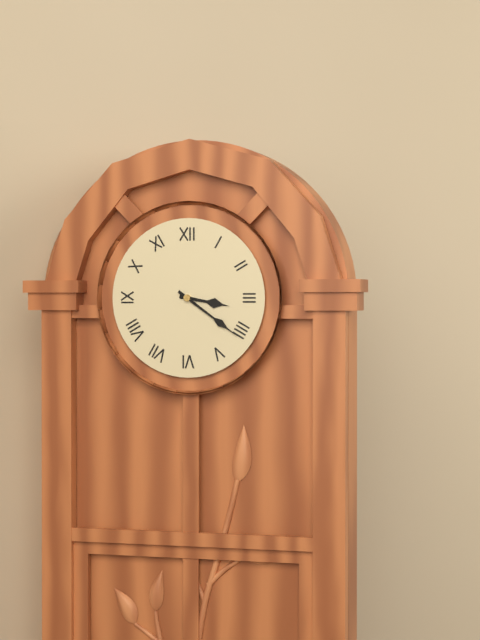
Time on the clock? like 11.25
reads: 3.21
